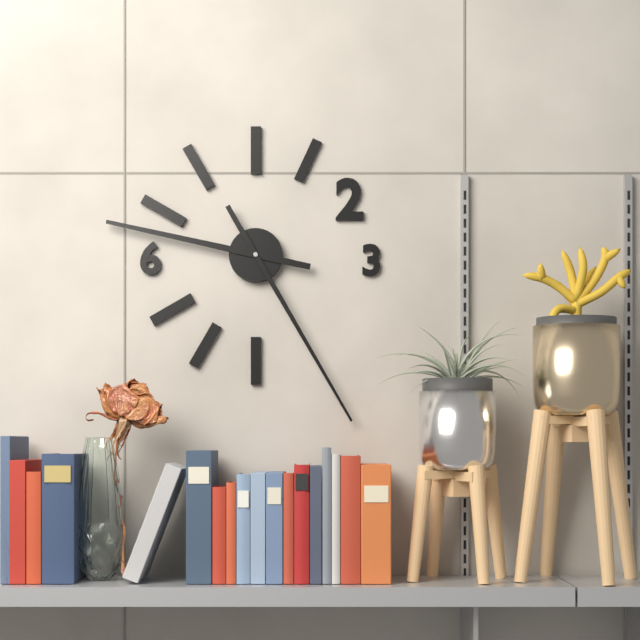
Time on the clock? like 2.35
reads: 9.25
